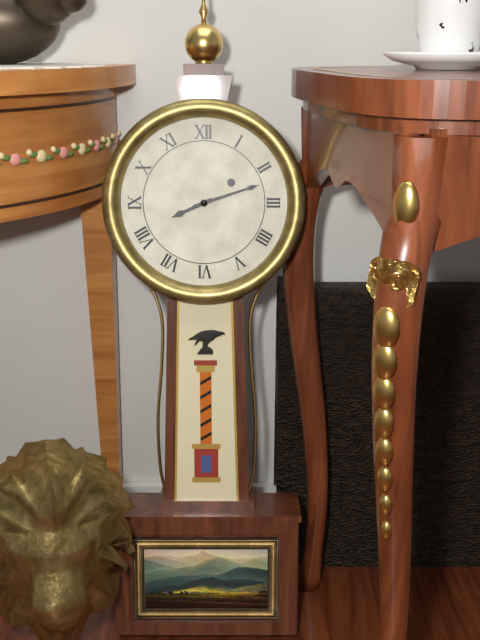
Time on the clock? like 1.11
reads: 8.12
